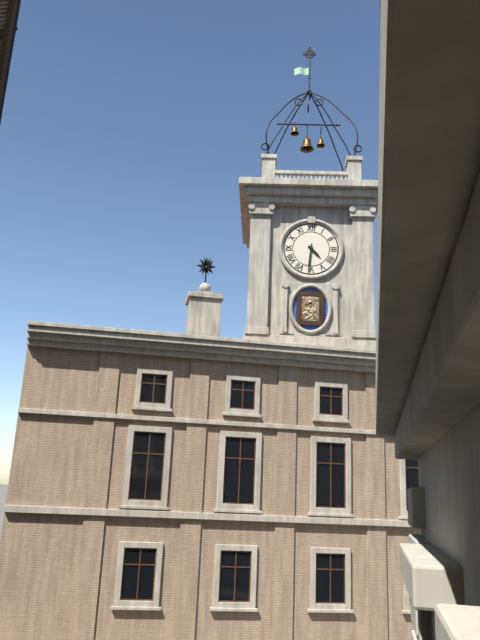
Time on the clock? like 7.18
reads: 4.31
